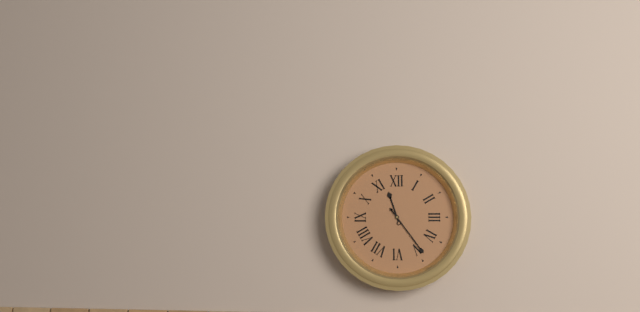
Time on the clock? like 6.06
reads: 11.24
